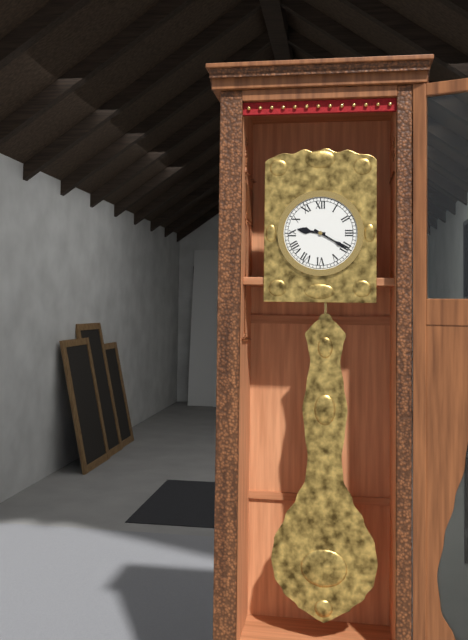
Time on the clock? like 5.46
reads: 9.20
